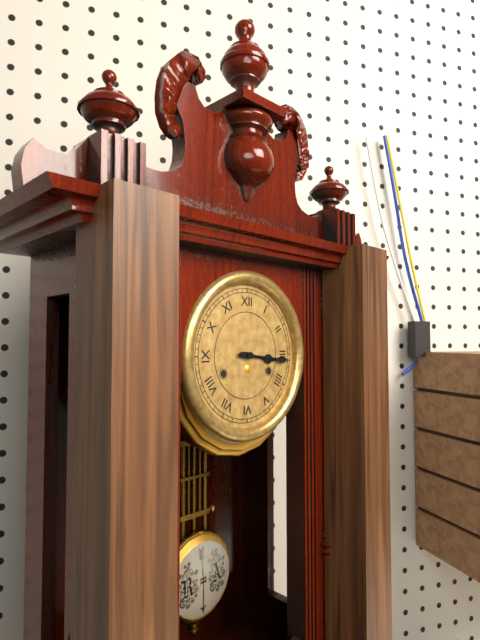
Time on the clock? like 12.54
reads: 3.16
